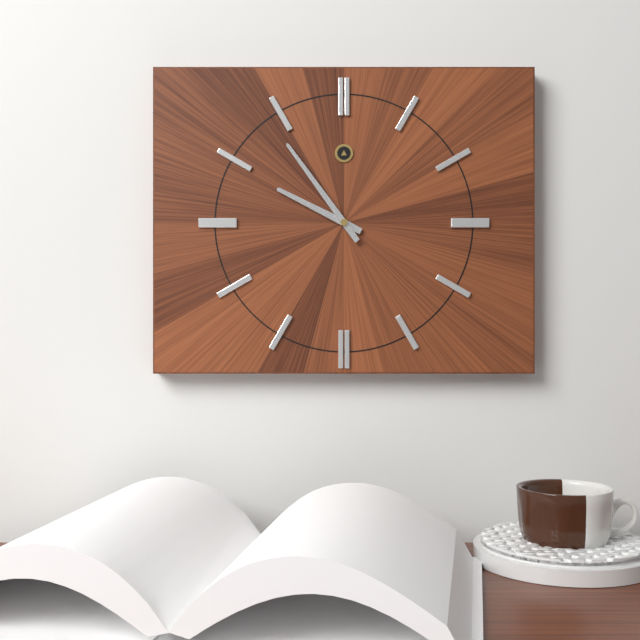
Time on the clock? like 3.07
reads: 9.54
